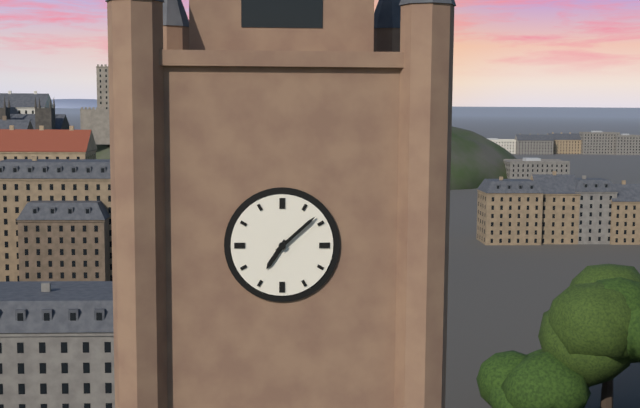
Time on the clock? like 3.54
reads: 7.08
